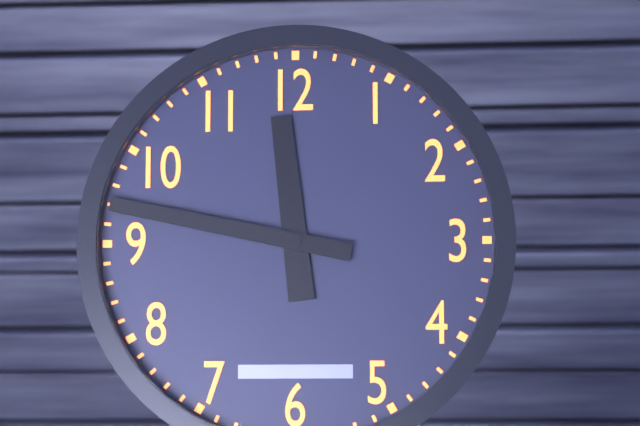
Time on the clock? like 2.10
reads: 11.47
